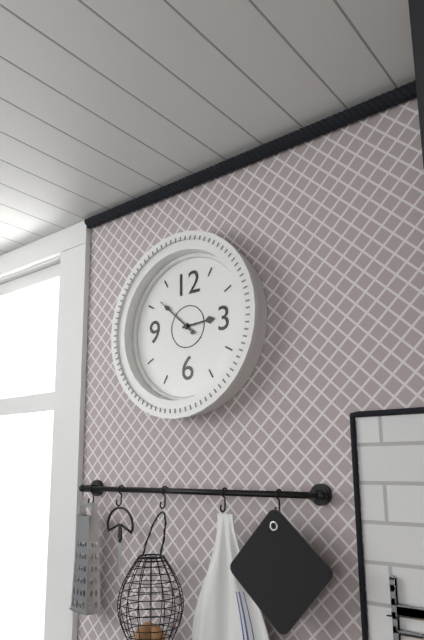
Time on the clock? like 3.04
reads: 2.52
